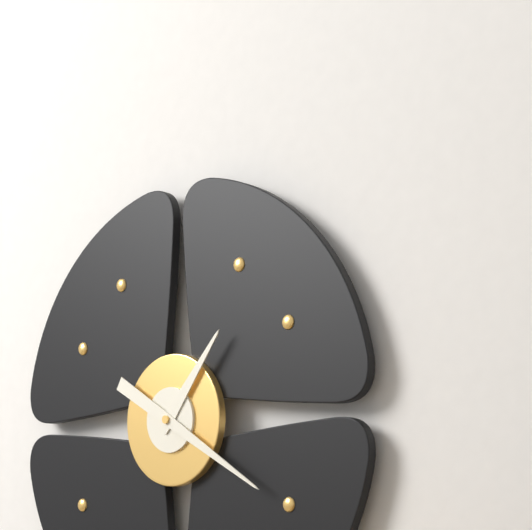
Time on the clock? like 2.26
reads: 1.20
